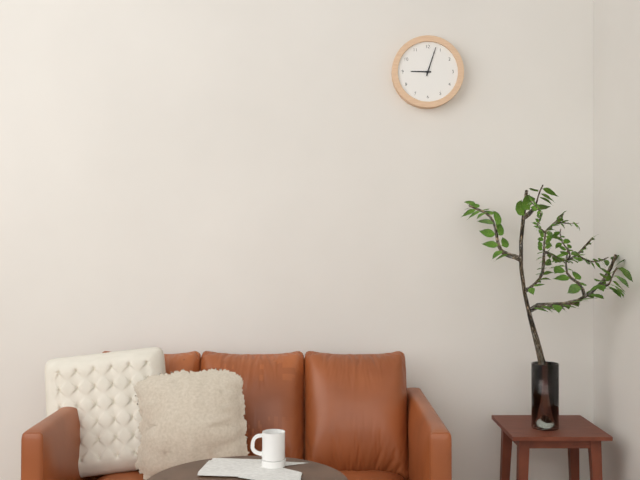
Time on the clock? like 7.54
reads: 9.03
